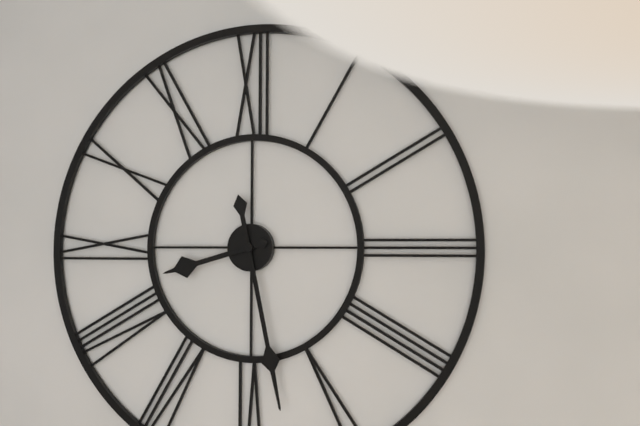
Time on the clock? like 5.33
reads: 8.28
